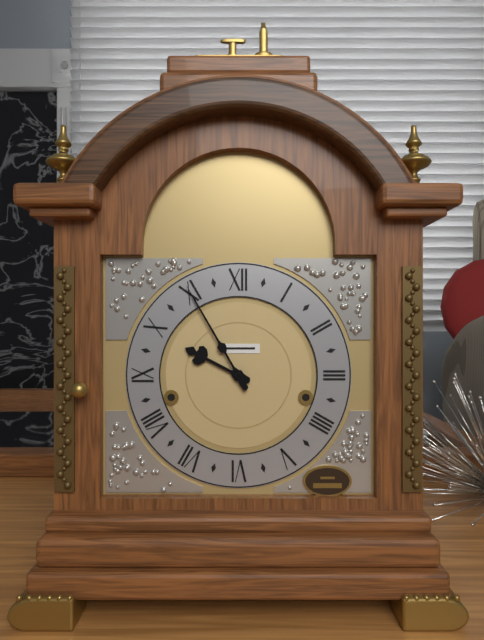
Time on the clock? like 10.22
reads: 9.55
